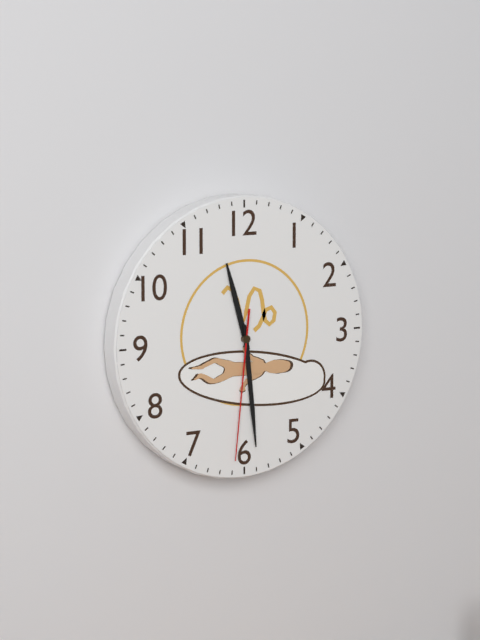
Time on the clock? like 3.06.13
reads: 11.29.31
